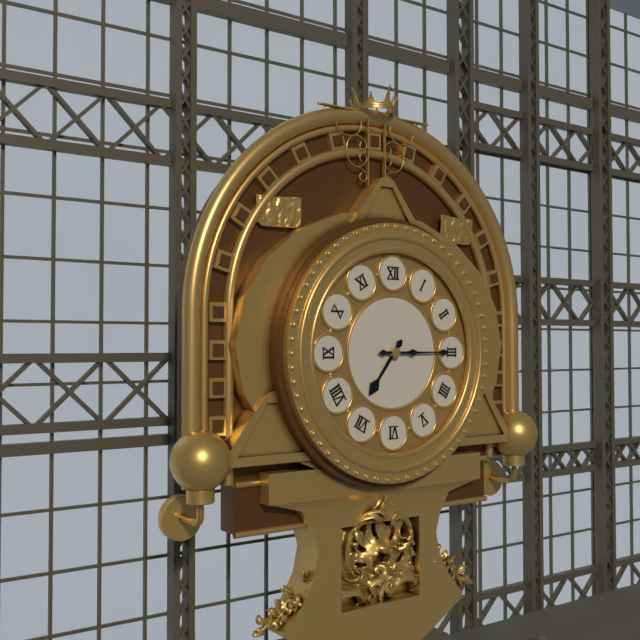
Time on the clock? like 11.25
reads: 7.15
